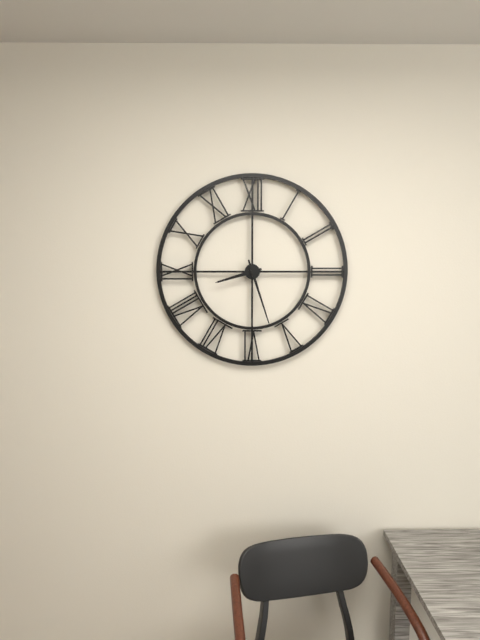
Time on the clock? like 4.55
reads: 8.27
